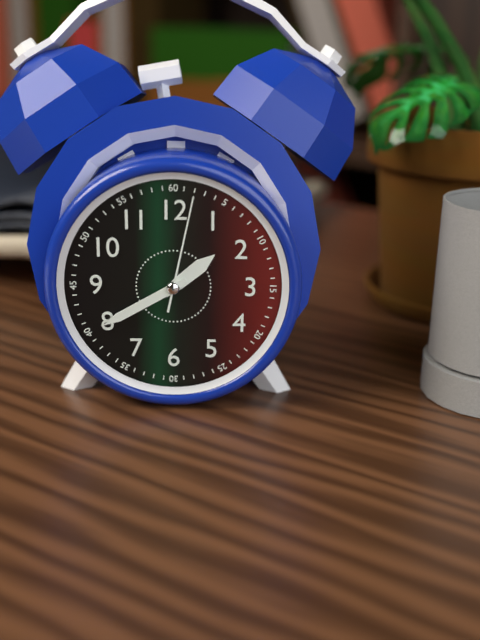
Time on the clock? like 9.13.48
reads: 1.40.02
